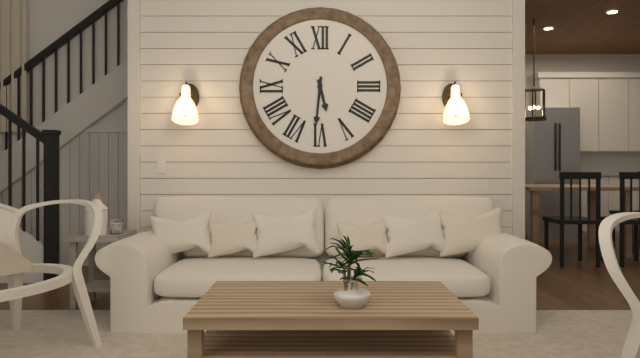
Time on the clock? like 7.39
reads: 5.31
